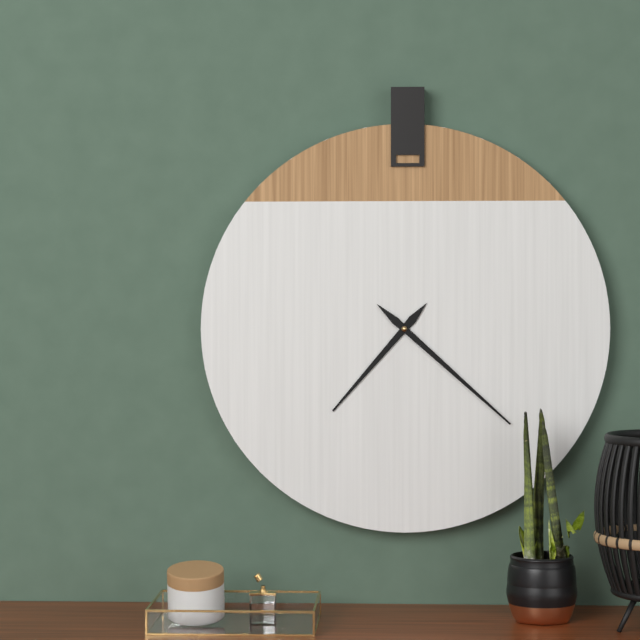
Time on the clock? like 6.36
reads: 7.22
